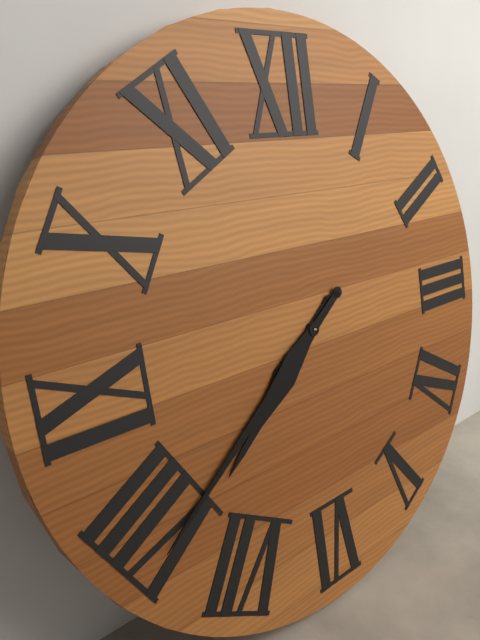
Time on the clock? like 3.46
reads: 7.39
